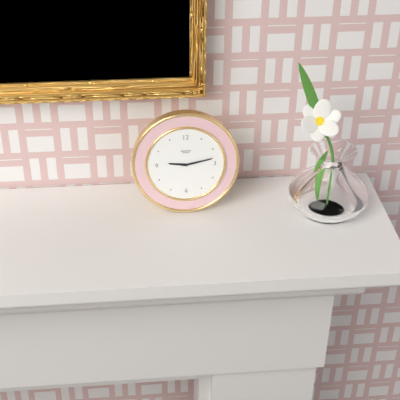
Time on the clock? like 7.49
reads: 9.13
